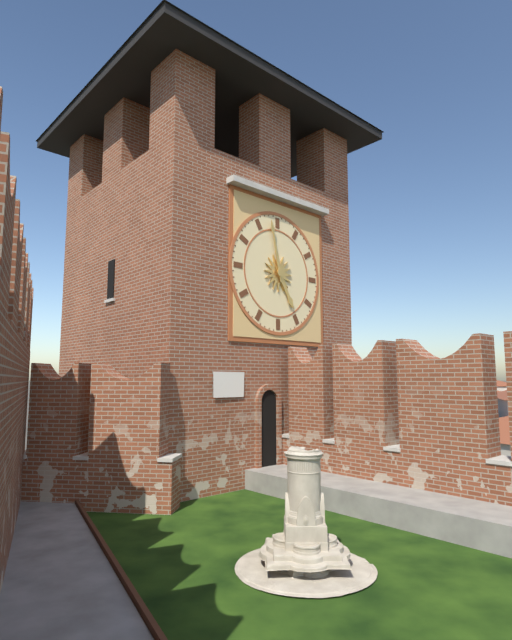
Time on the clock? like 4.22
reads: 4.58
